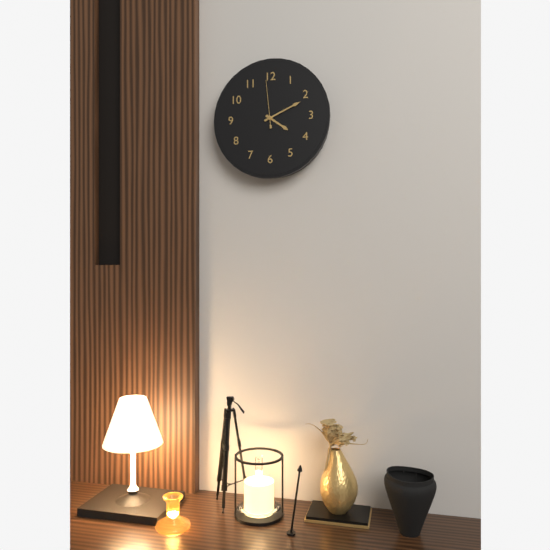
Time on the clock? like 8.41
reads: 4.11
